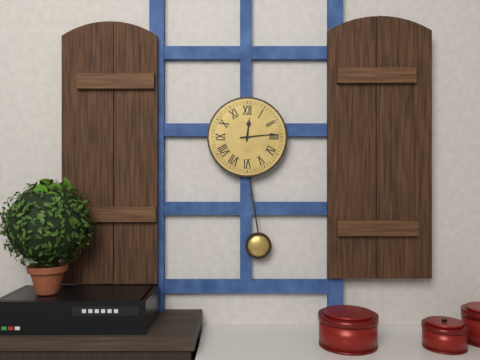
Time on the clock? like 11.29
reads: 12.14
